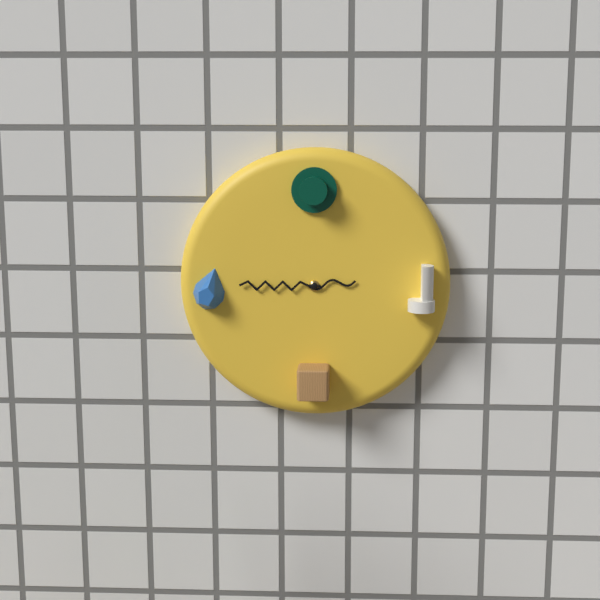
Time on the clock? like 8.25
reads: 2.45
